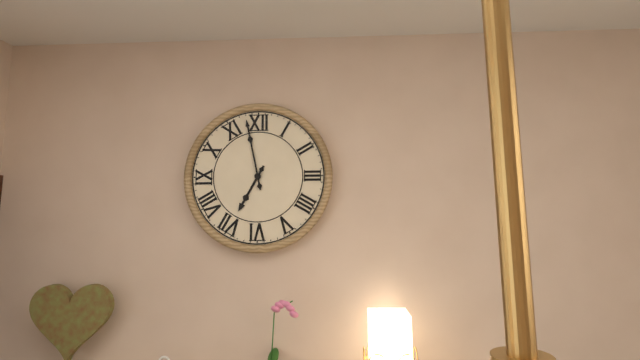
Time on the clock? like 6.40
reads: 6.58
